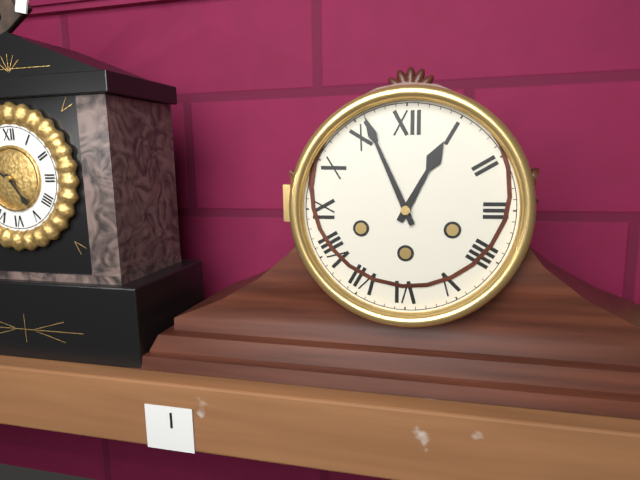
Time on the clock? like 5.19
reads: 12.56
